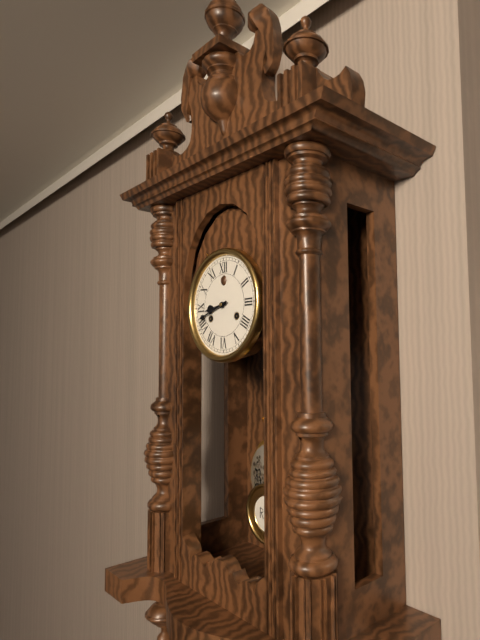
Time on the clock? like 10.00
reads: 8.42
